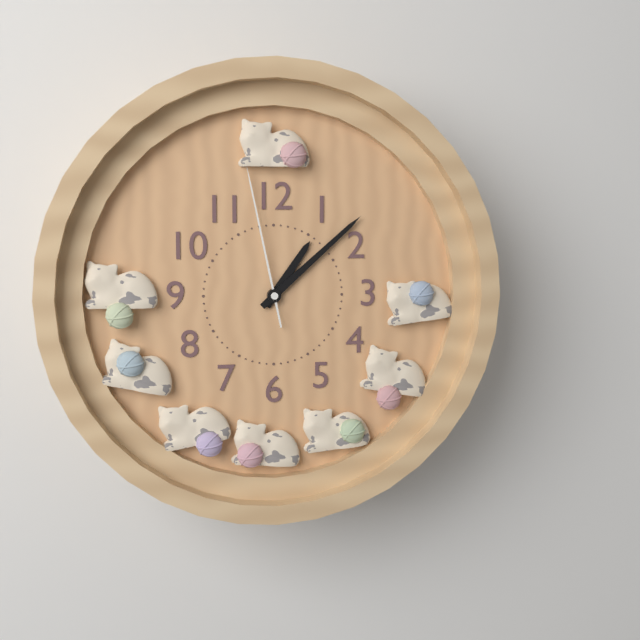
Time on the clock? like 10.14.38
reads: 1.08.58
